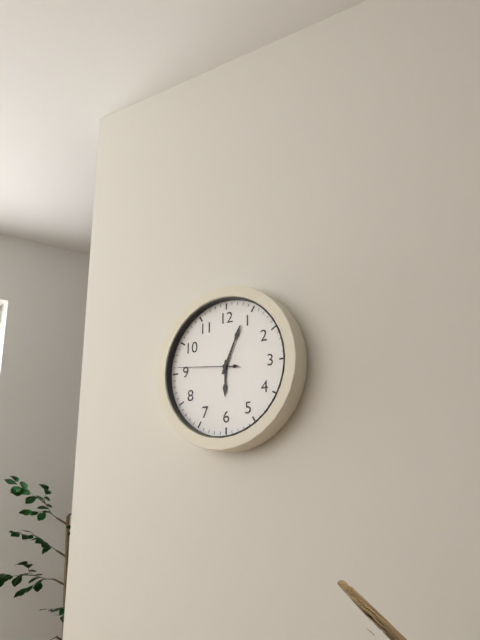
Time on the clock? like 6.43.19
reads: 6.04.46
